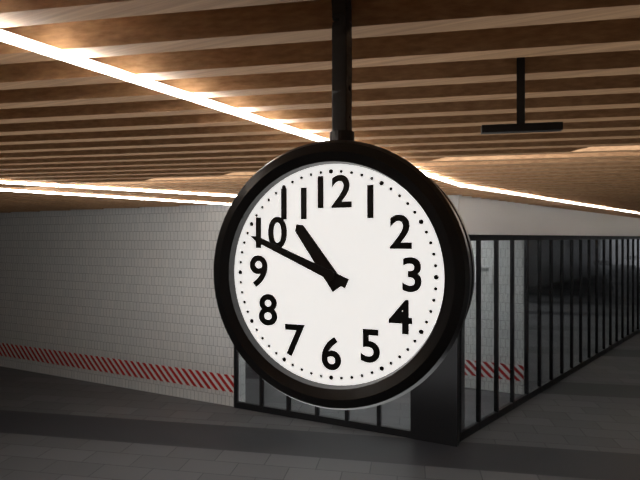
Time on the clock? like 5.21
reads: 10.49
